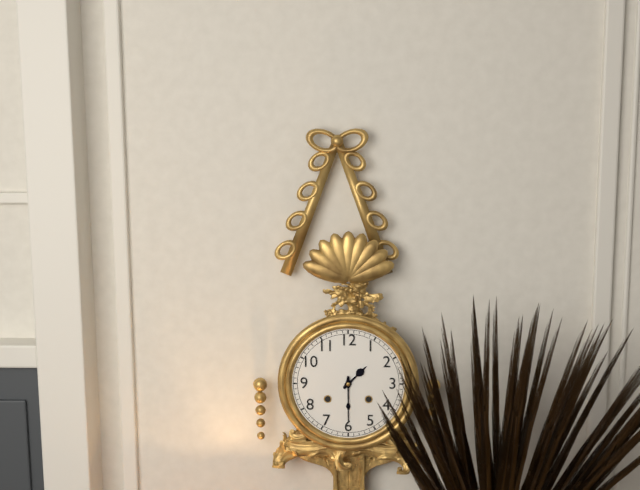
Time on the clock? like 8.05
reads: 1.30
